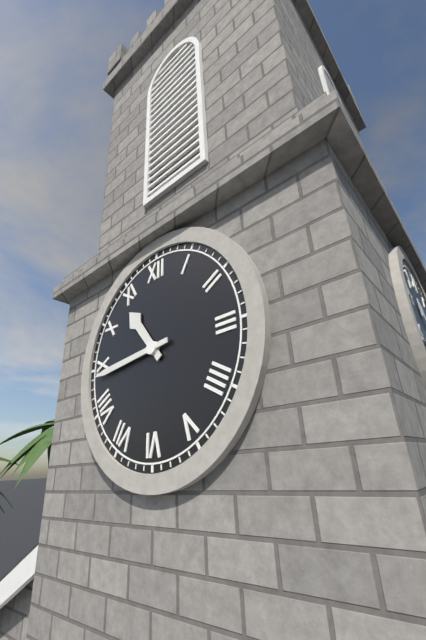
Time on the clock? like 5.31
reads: 10.44
